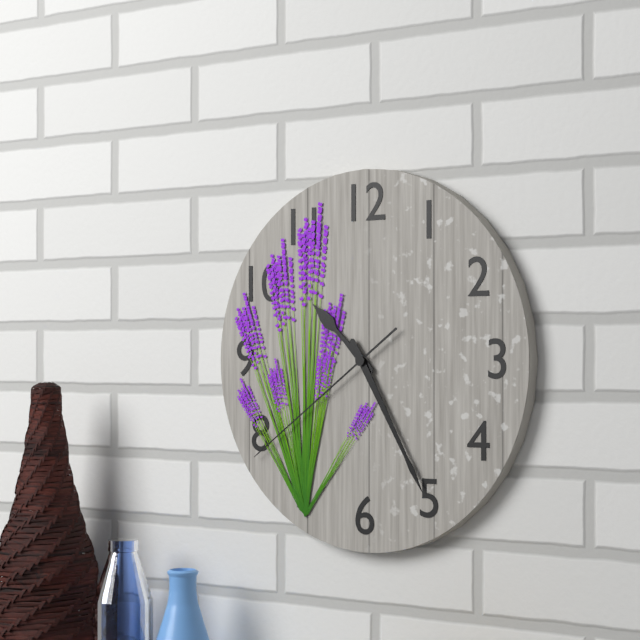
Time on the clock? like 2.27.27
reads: 10.25.39
